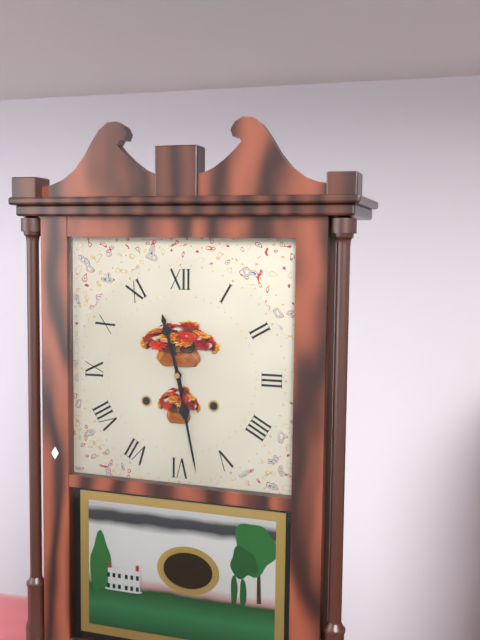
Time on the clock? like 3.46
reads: 11.28
